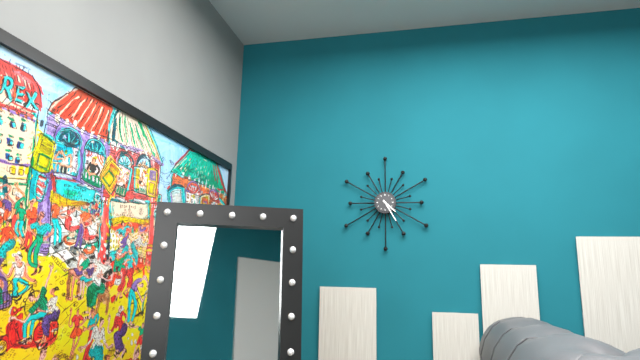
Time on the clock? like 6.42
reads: 4.25
